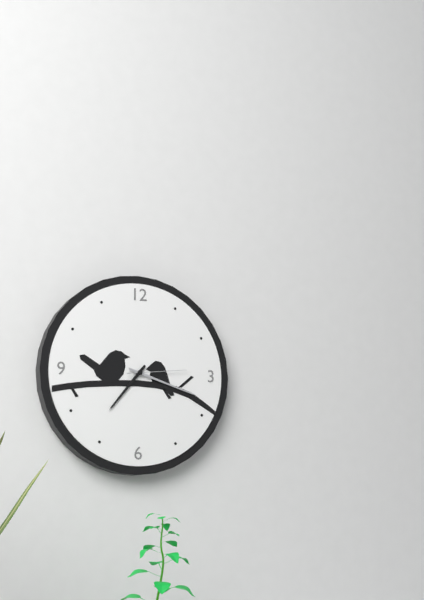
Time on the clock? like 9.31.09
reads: 7.18.14
